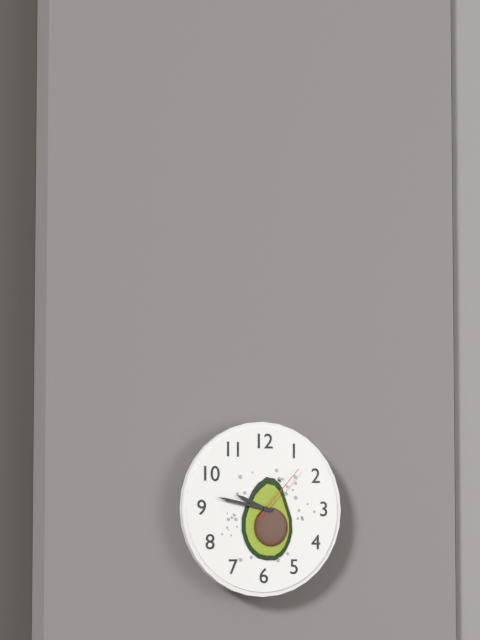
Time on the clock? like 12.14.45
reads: 9.47.07
